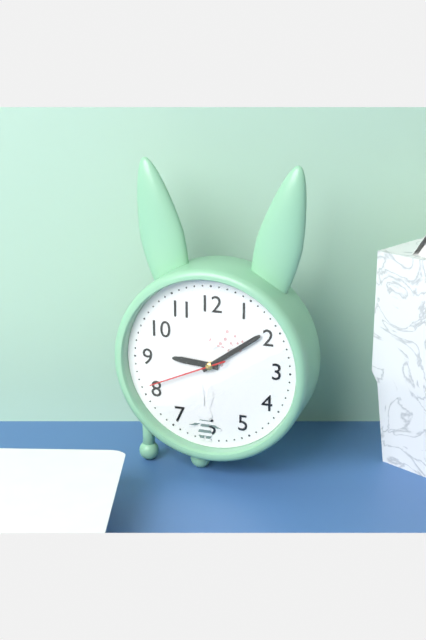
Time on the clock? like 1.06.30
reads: 9.09.41
